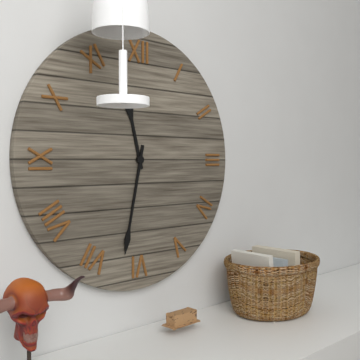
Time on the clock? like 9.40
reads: 11.32
